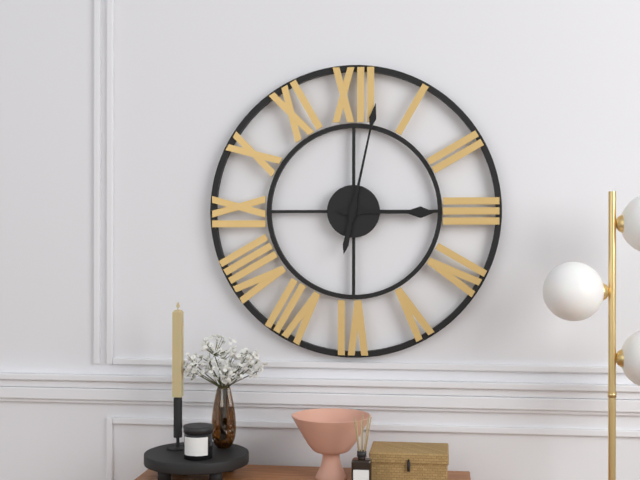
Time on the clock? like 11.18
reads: 3.02
